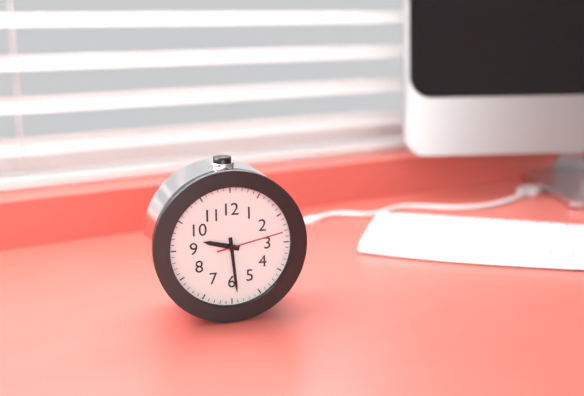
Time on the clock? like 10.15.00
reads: 9.29.13
